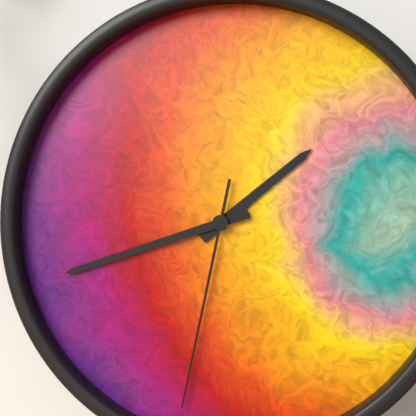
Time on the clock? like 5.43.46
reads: 1.42.32
